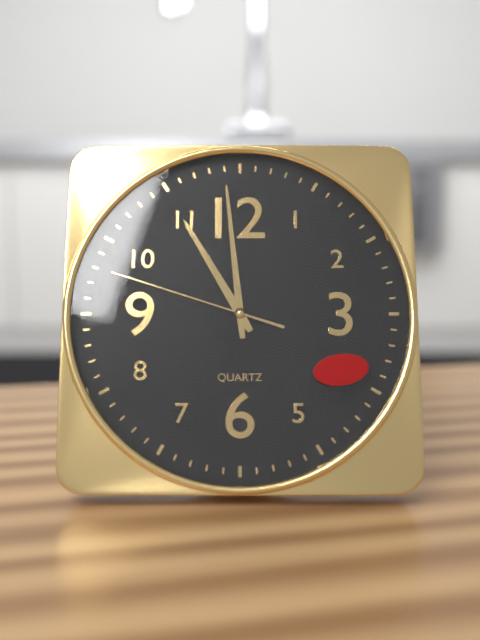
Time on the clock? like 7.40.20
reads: 10.59.48
